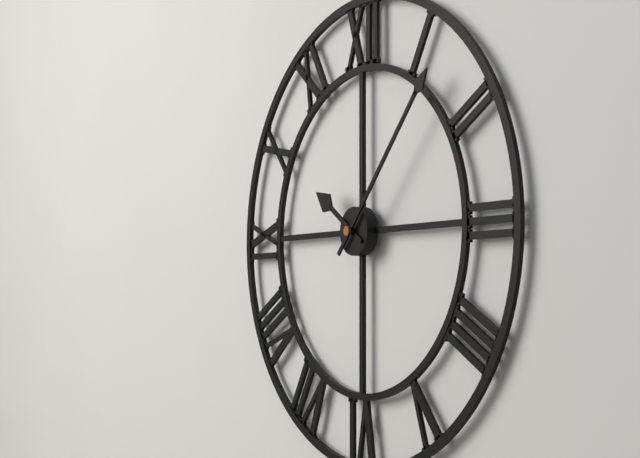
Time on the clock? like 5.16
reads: 10.07
